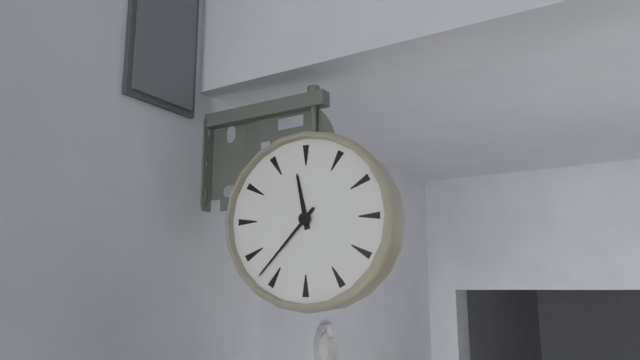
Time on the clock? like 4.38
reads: 11.37
